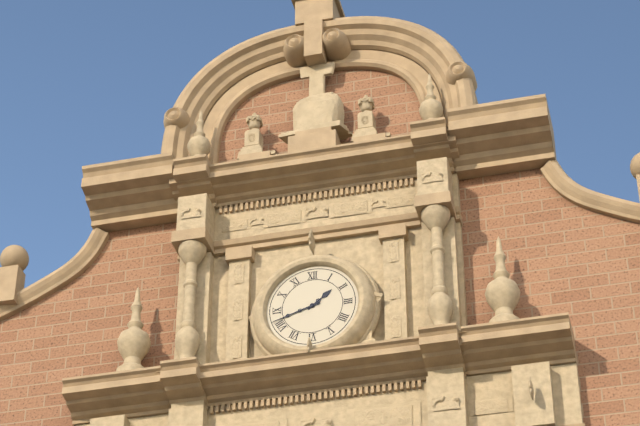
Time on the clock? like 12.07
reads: 1.42
